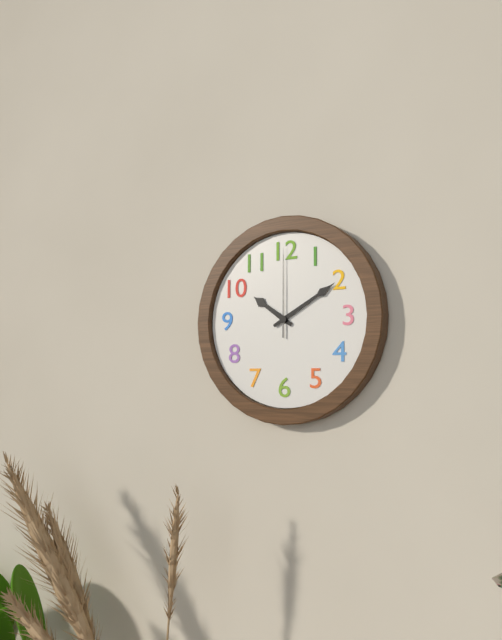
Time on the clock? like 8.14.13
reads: 10.10.00
